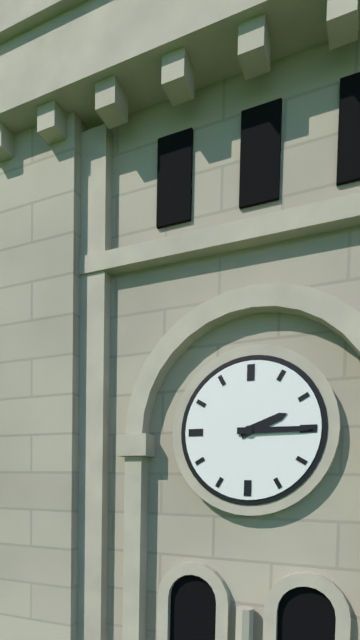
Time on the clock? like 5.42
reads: 2.15
